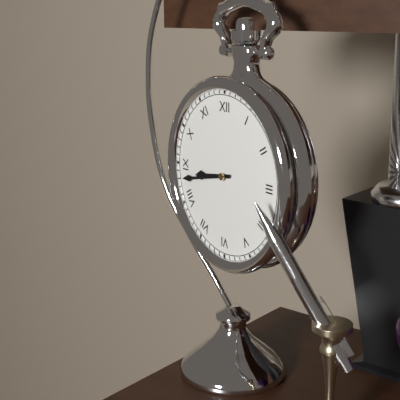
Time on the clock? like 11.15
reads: 8.43
